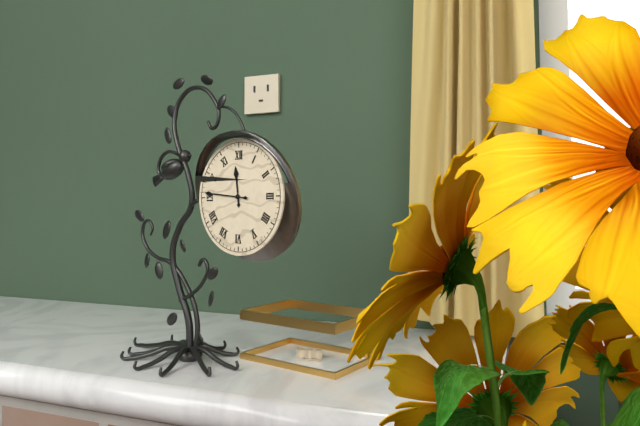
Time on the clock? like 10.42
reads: 11.46
